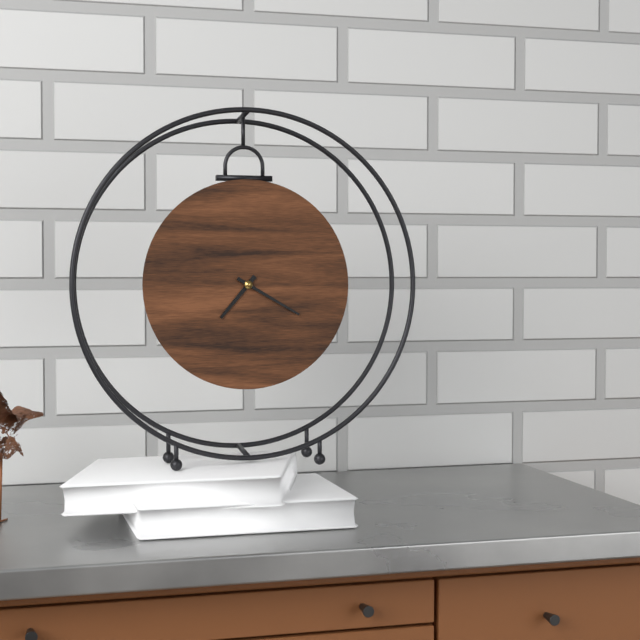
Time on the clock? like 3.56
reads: 7.20
